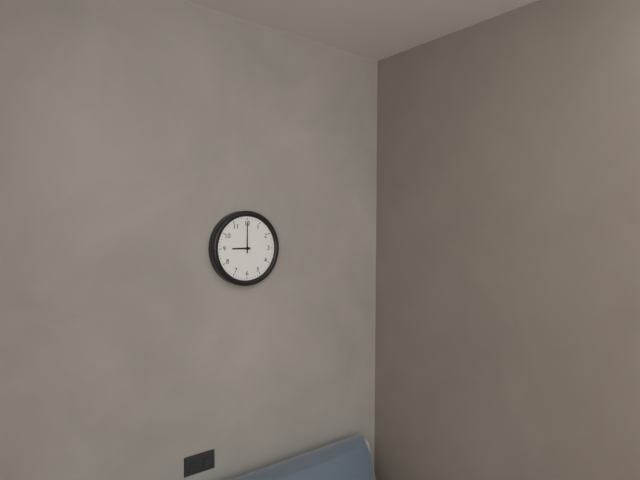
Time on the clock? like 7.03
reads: 9.00
